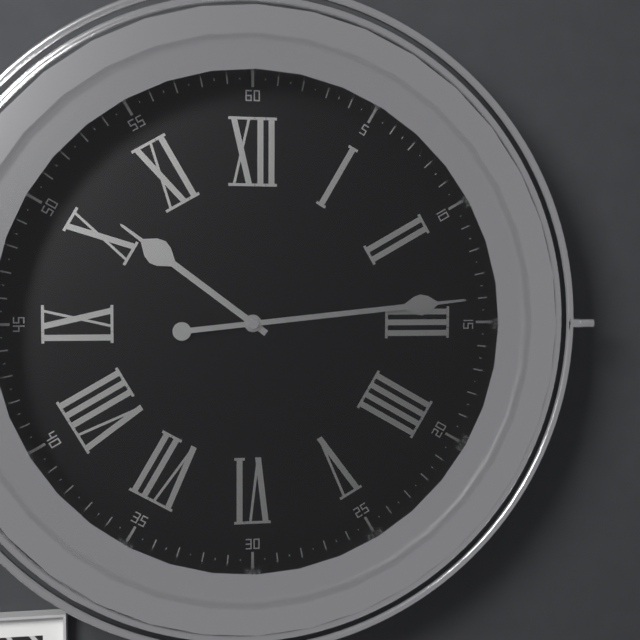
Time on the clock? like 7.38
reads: 10.14
